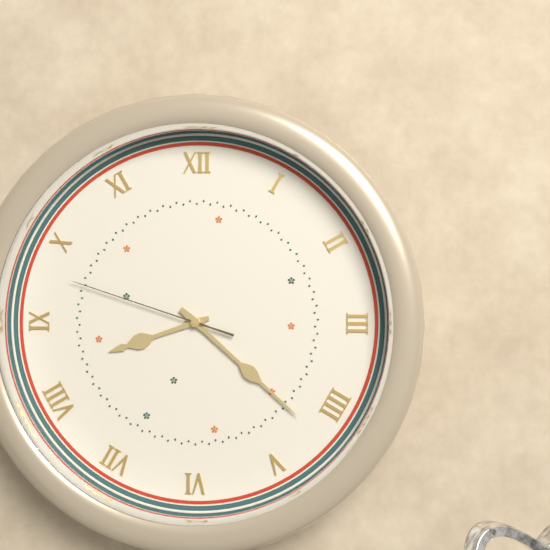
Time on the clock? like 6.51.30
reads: 8.22.48
